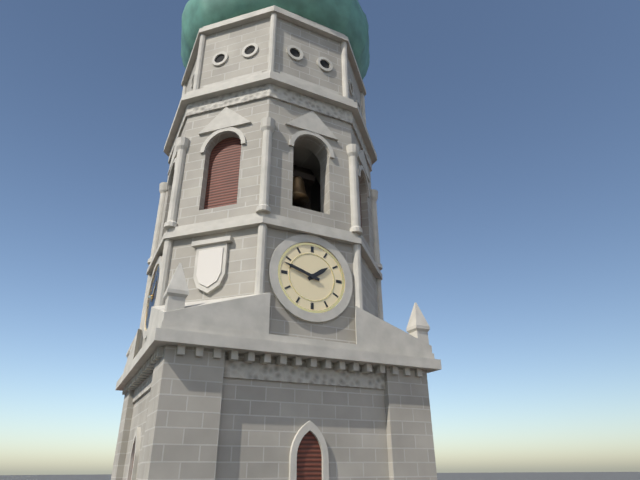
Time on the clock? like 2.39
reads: 1.48
